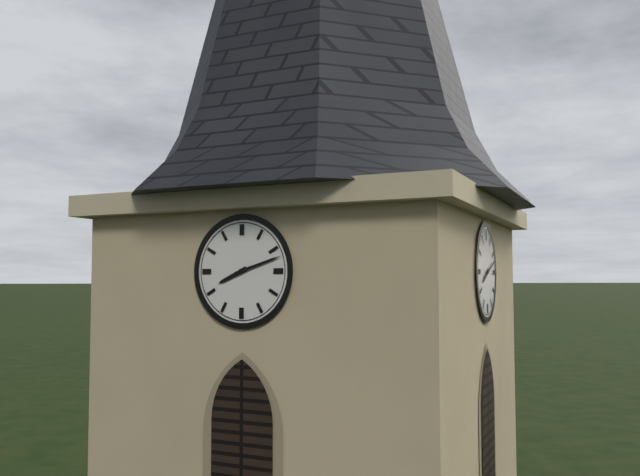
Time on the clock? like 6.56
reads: 8.12
